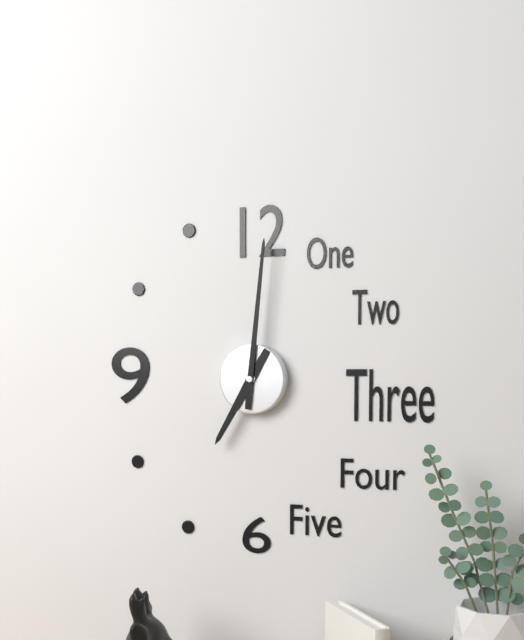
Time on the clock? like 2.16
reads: 7.01
